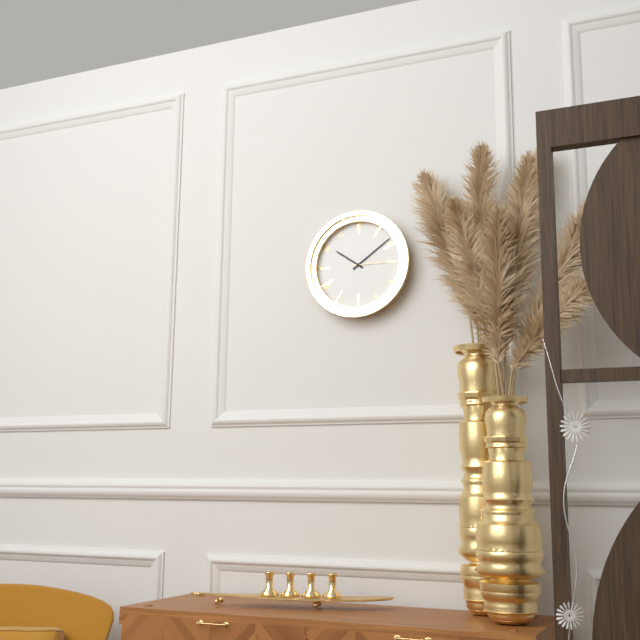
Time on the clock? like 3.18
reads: 10.09
